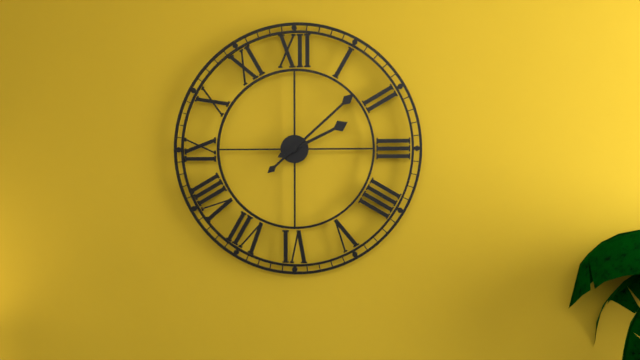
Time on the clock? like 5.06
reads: 2.08
